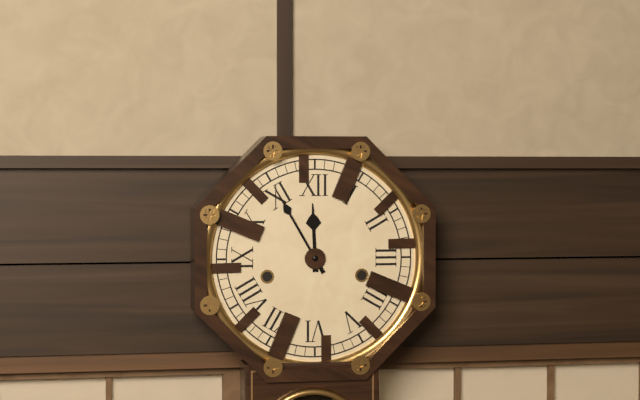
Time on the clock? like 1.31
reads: 11.55
